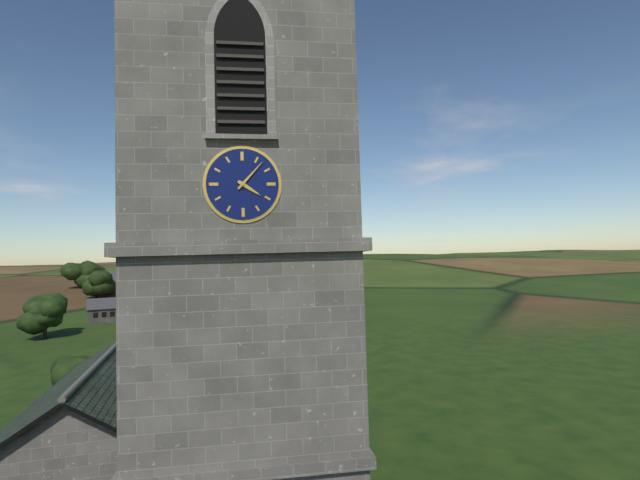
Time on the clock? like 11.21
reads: 4.07
